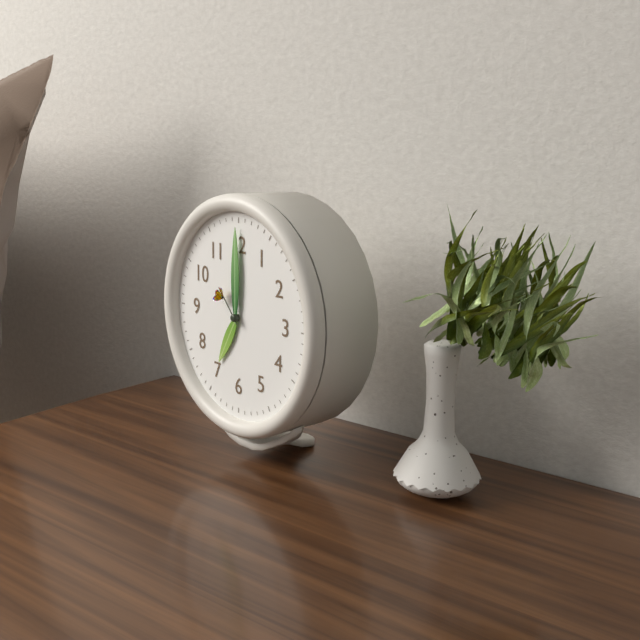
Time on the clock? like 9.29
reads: 7.00
